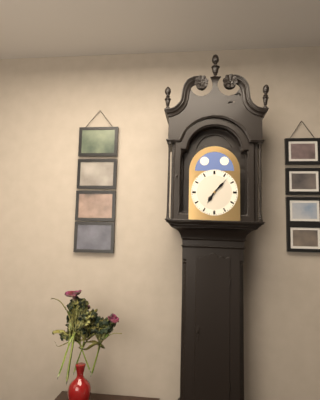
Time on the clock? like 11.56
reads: 7.07
